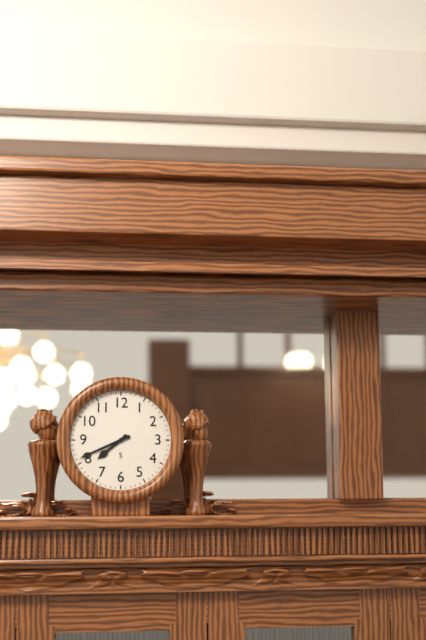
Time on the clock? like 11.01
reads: 7.41
